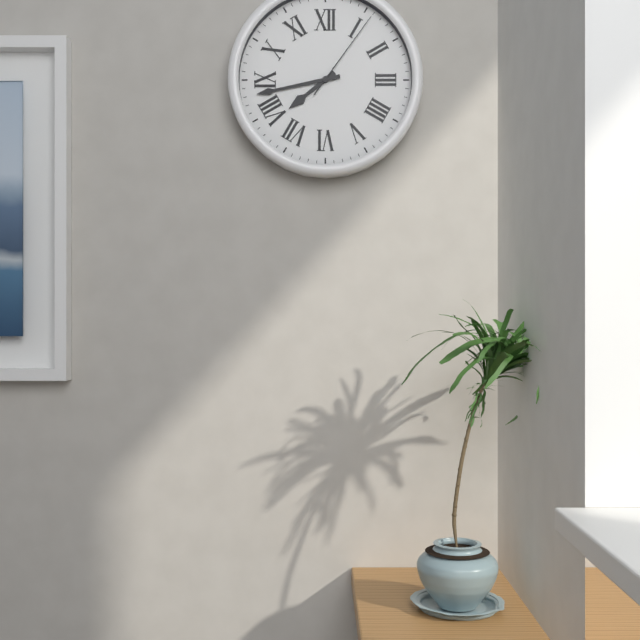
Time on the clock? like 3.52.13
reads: 7.43.06
